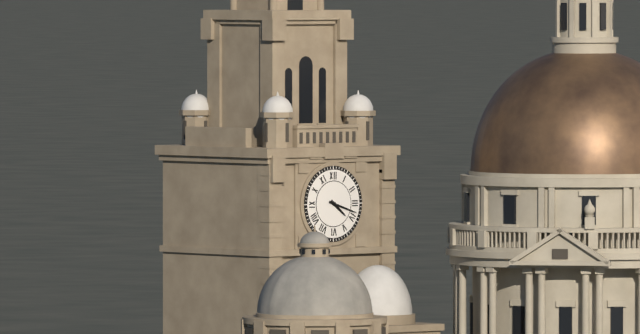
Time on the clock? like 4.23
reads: 4.18
